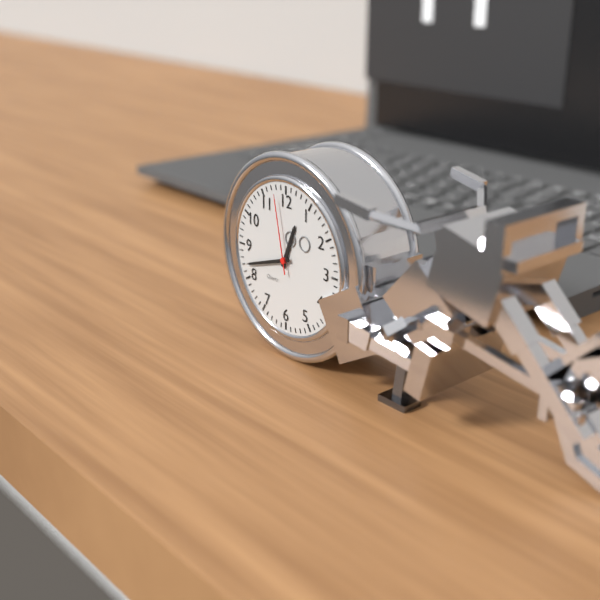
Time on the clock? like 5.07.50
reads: 12.42.58
